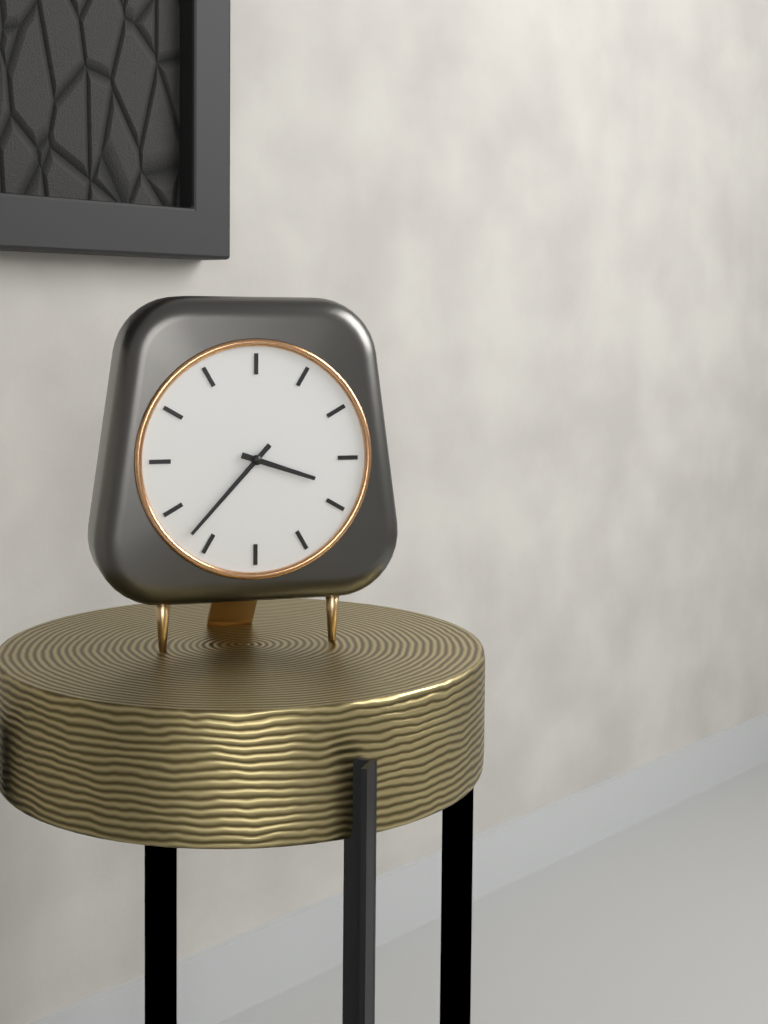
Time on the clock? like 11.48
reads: 3.37
